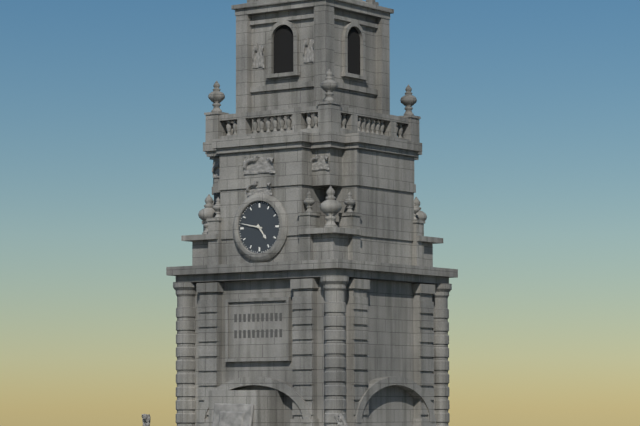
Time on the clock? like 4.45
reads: 4.47
